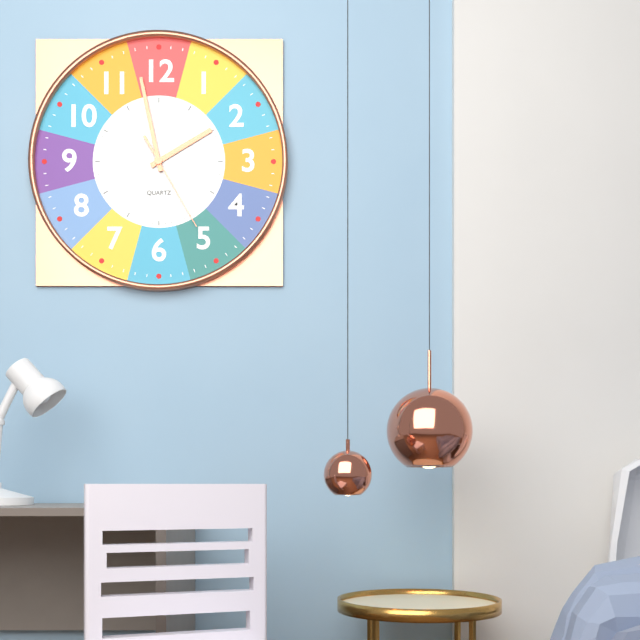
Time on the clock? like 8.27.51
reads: 1.58.25
